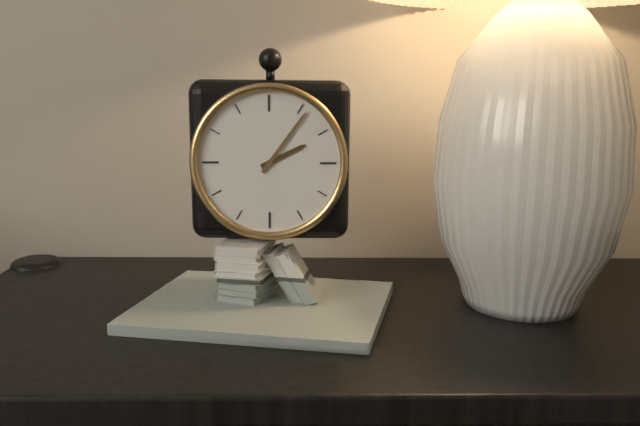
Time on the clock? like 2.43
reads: 2.06
